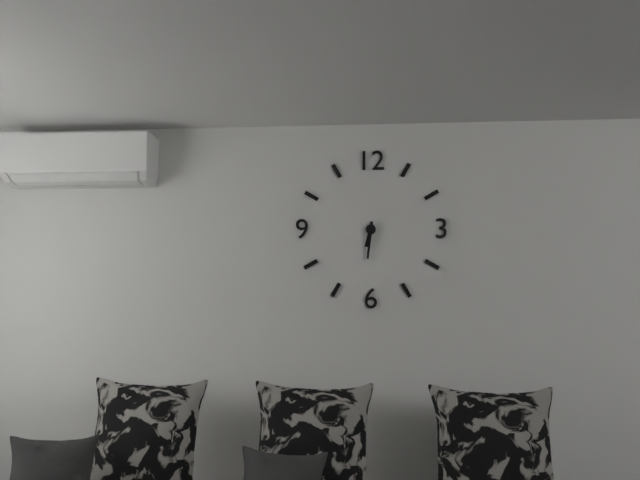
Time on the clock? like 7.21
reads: 6.31
